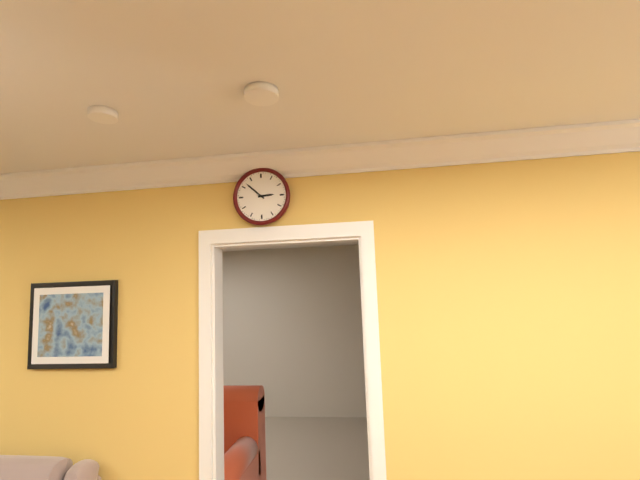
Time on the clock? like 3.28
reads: 2.52
